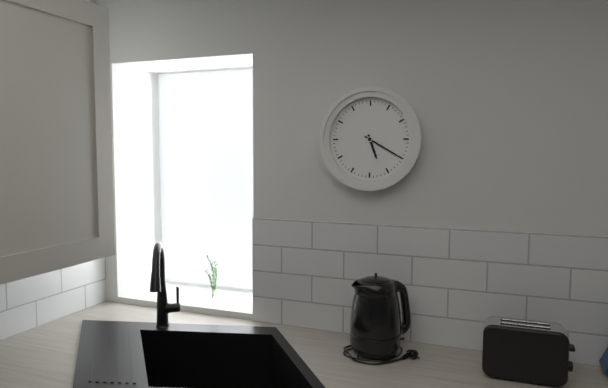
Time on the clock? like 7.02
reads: 5.20
